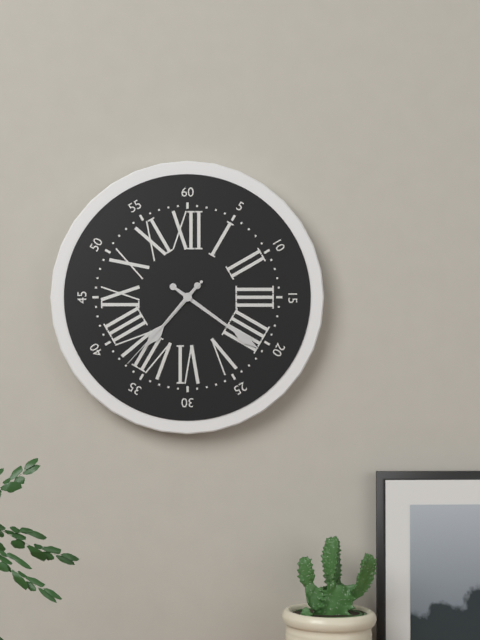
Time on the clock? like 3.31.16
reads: 7.21.37
